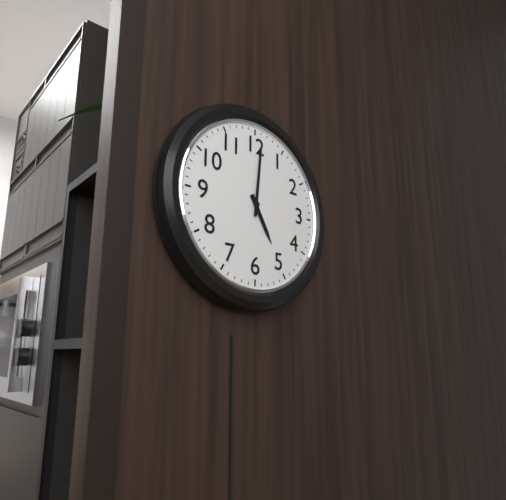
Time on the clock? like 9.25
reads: 5.01
